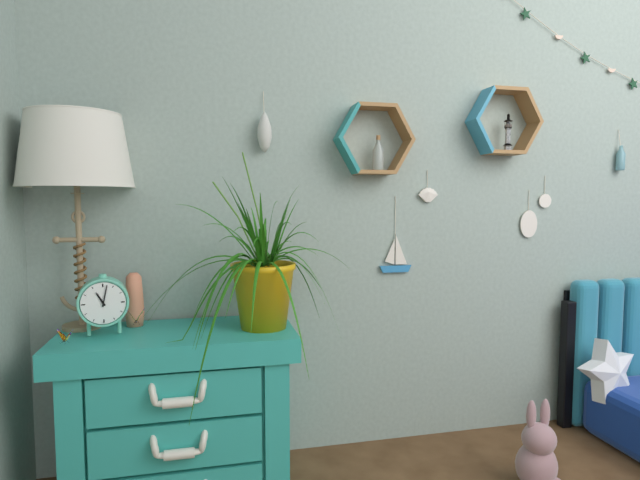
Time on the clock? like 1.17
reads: 11.02
